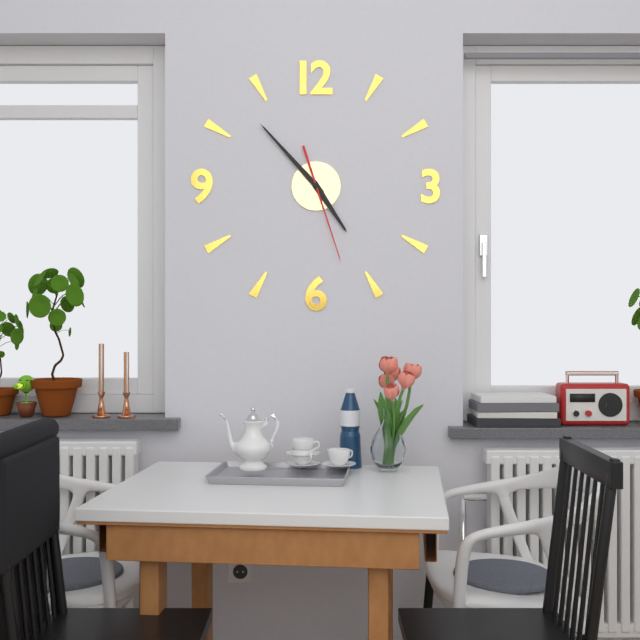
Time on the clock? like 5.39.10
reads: 4.53.27
